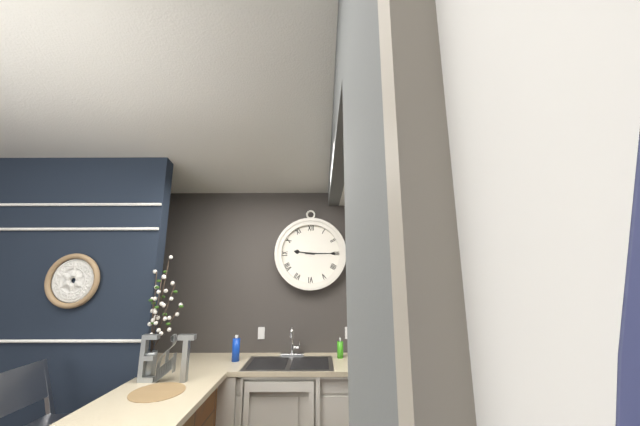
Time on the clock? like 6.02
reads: 9.15
